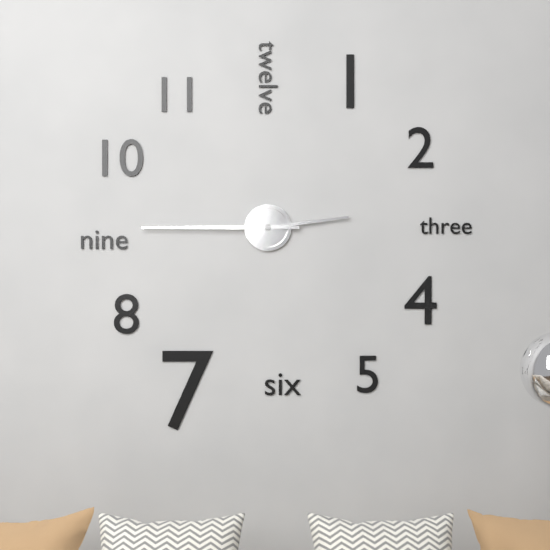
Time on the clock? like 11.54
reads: 2.45
